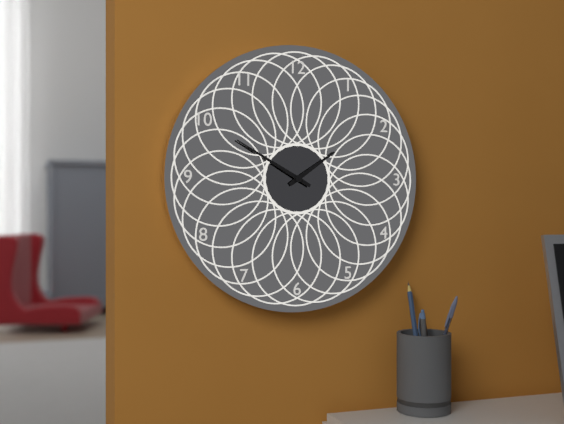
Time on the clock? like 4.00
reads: 1.50
